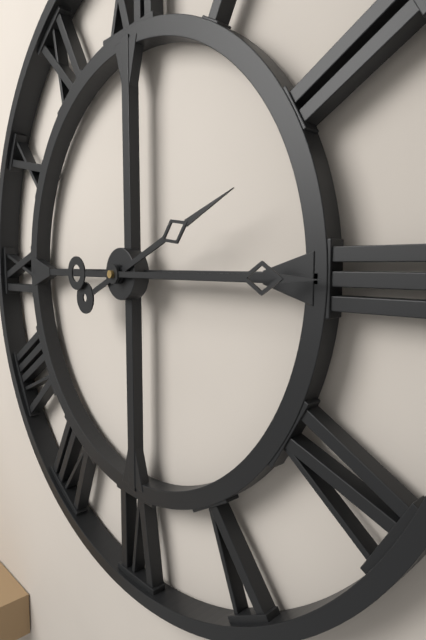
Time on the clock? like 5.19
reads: 2.15
